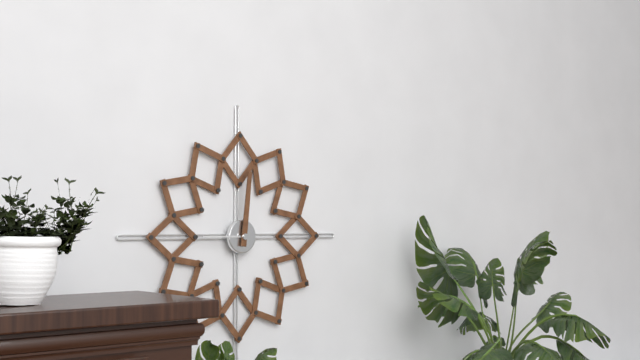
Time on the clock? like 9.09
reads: 9.01
